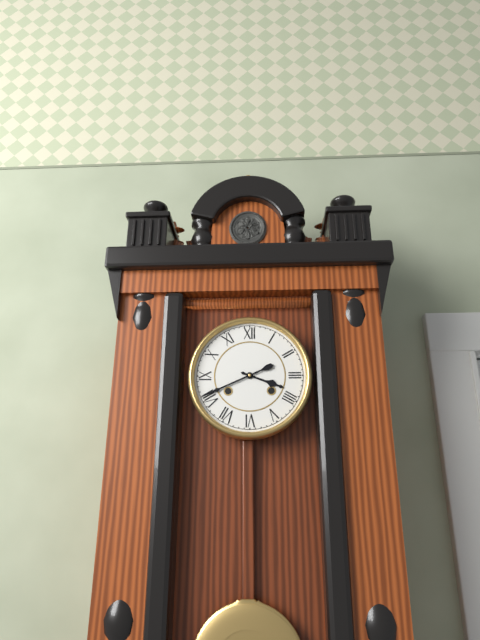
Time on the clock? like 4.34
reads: 3.41
